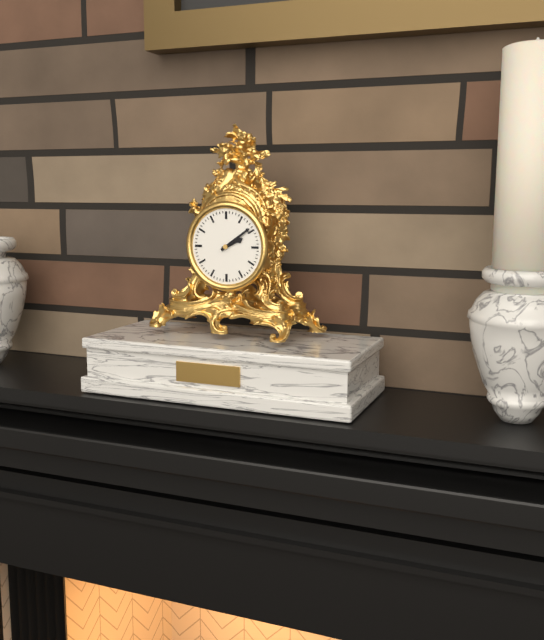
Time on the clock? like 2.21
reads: 2.09
